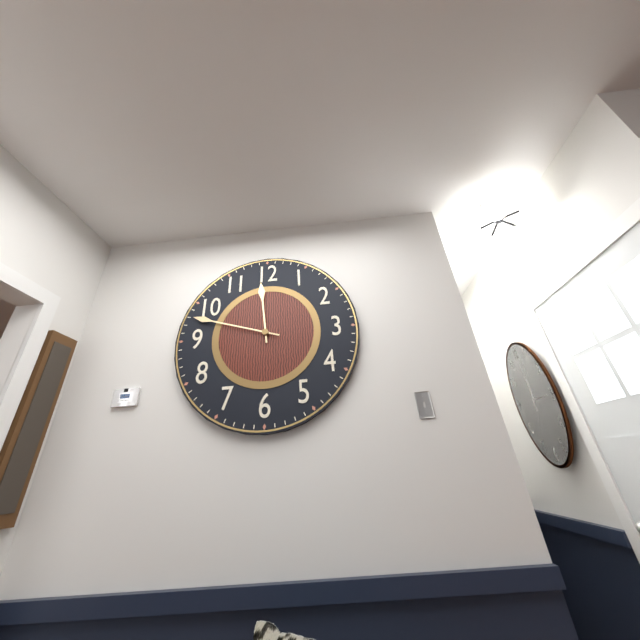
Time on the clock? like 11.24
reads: 11.48
